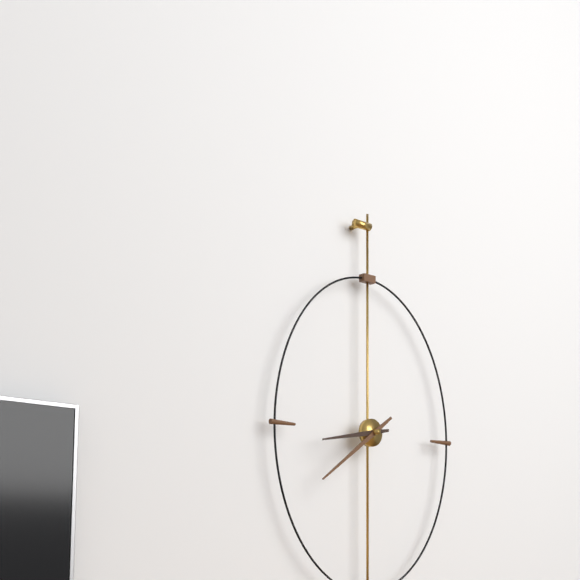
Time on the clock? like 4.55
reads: 8.39
